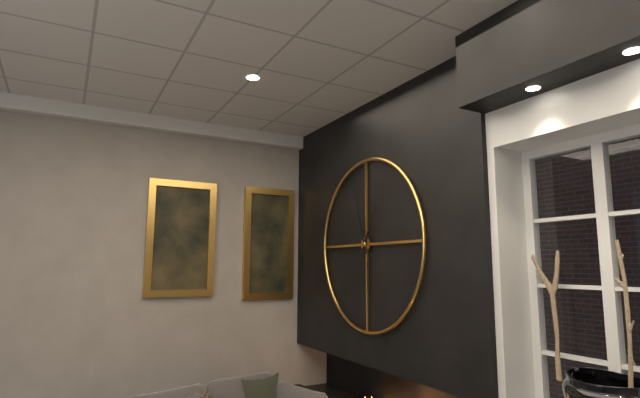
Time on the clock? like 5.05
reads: 12.57
